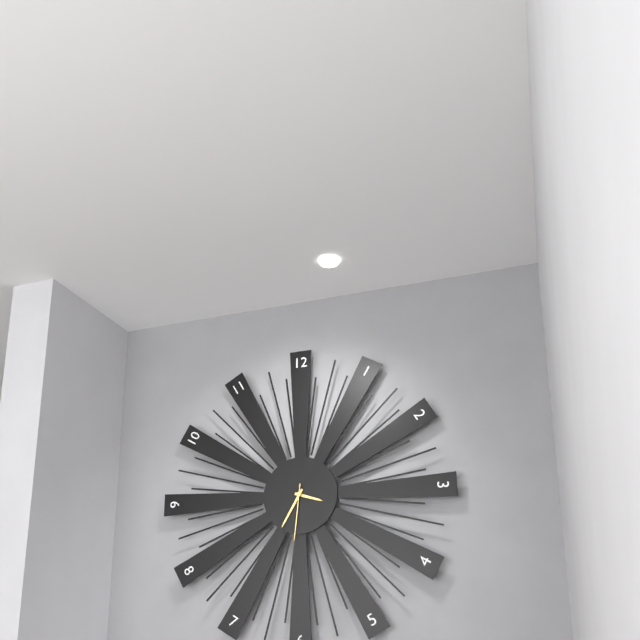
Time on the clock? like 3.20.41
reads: 3.35.31
